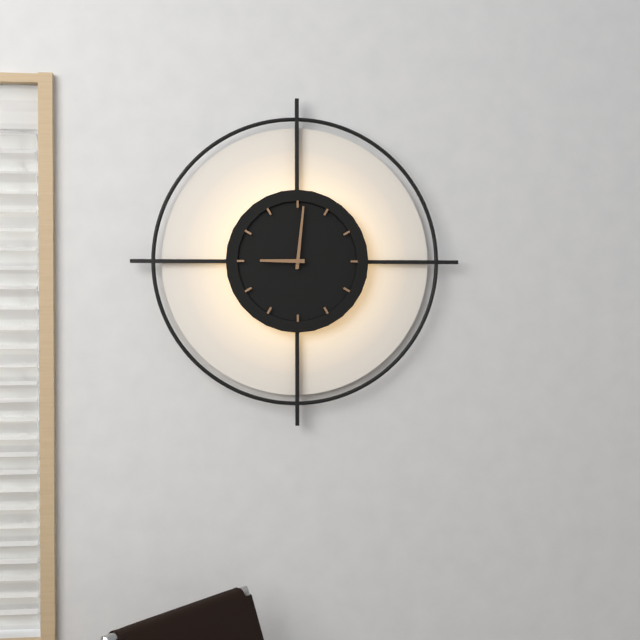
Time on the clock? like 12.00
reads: 9.01
